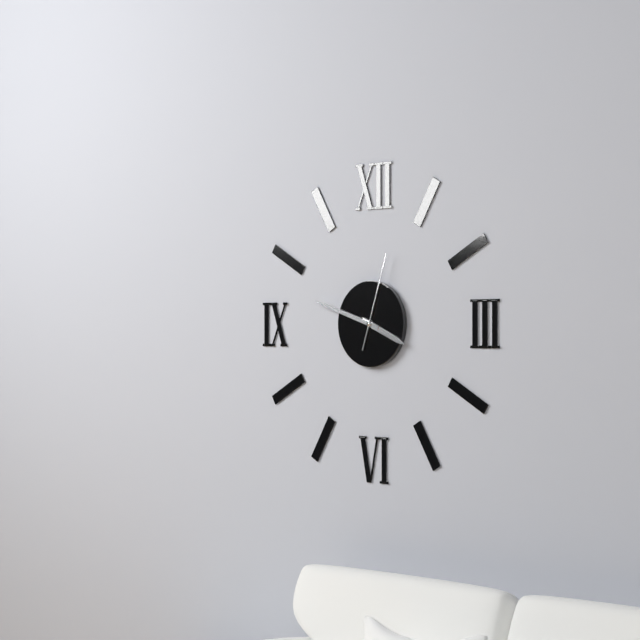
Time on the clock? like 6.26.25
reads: 3.48.03
